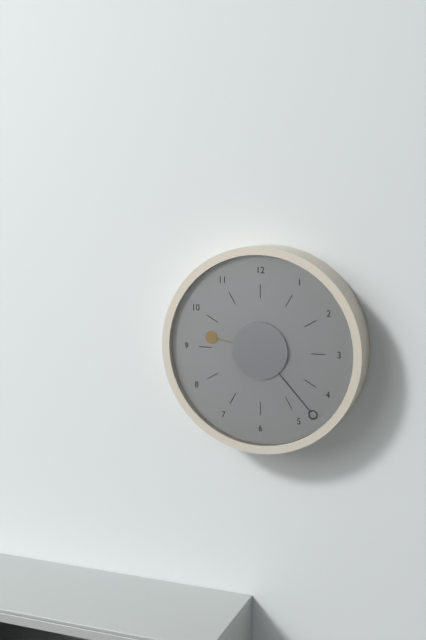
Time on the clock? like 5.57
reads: 9.23
